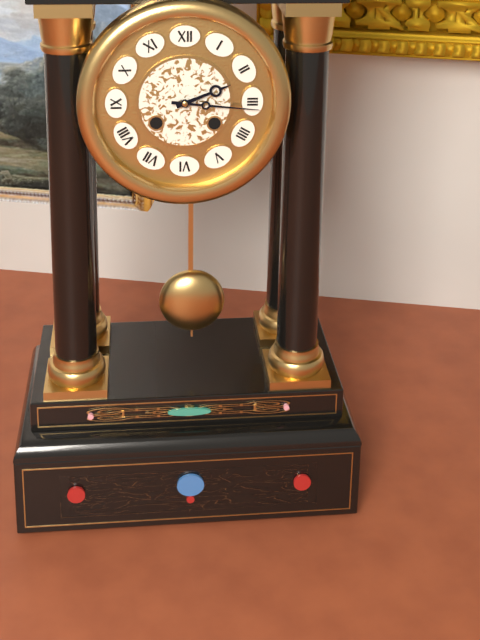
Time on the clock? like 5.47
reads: 2.16
